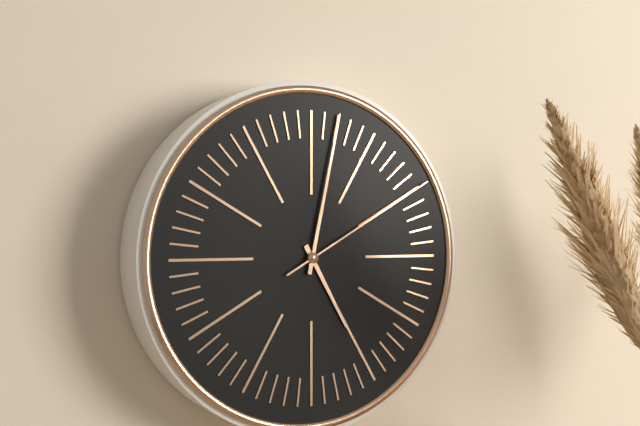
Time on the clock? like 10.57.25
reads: 5.02.10
